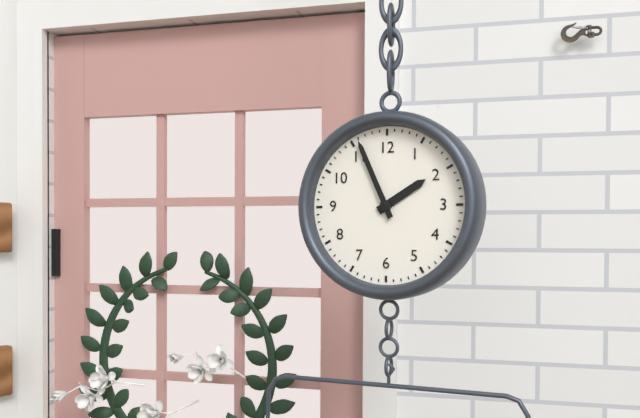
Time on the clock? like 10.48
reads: 1.56
